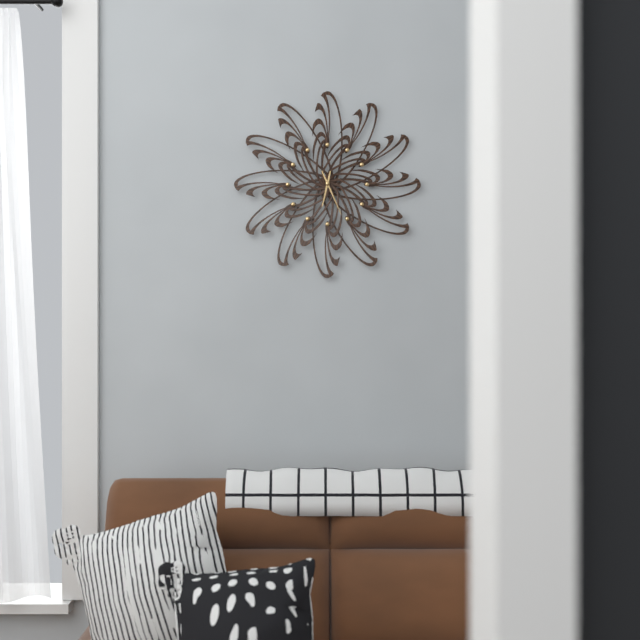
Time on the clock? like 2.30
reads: 6.26
